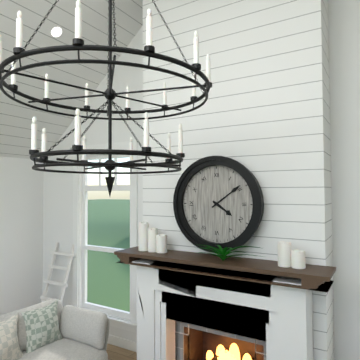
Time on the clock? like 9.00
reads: 4.09
